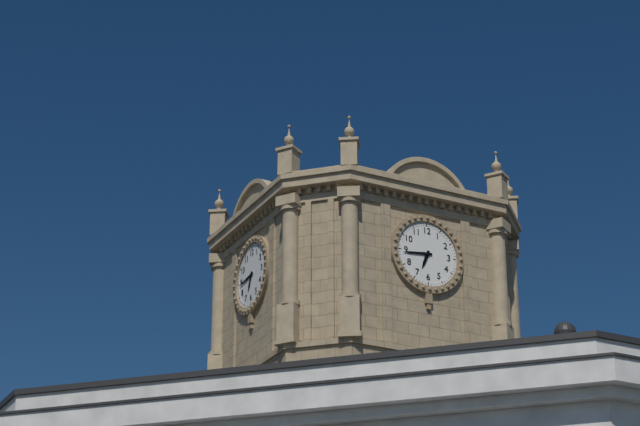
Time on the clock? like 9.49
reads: 6.44
